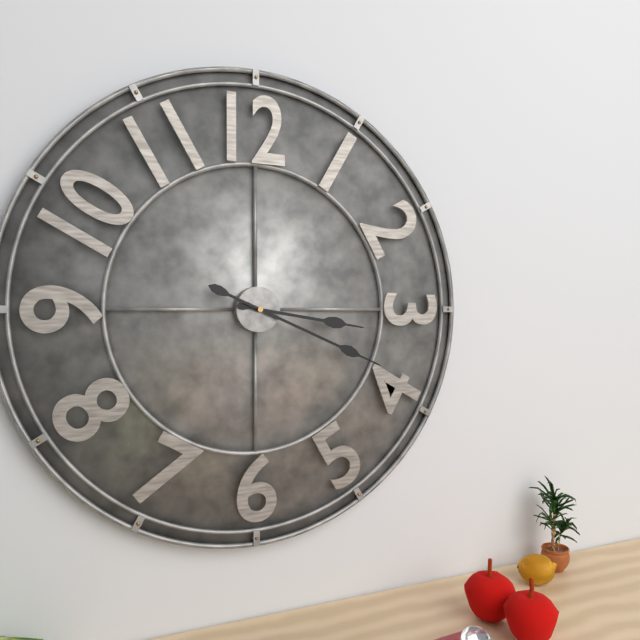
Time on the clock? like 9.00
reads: 3.19
